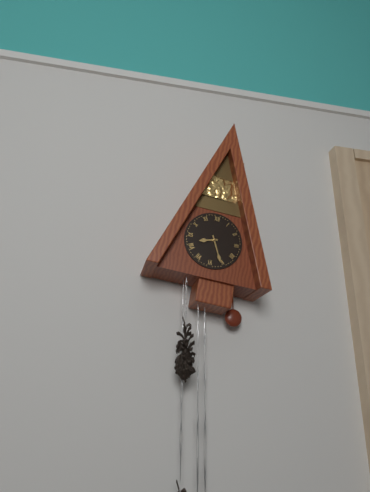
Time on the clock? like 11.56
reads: 8.26
